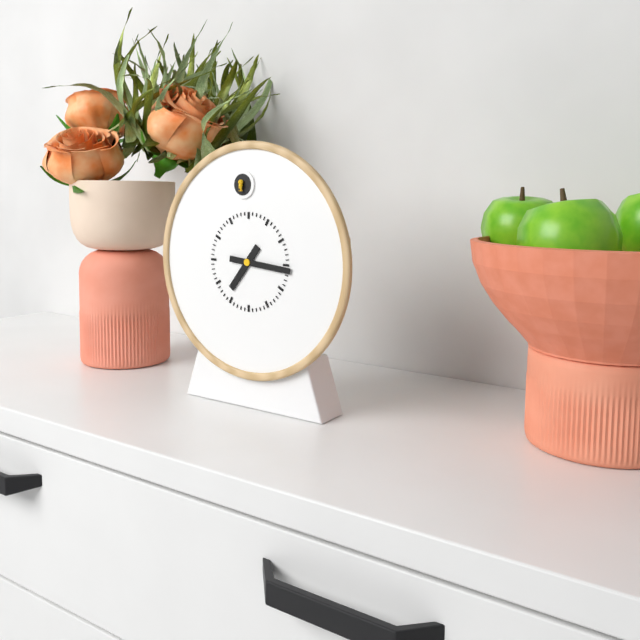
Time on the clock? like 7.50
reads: 7.16
